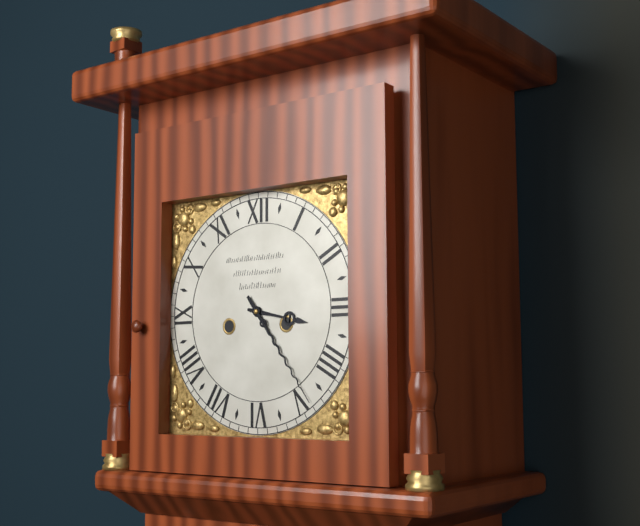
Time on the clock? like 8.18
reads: 3.24
